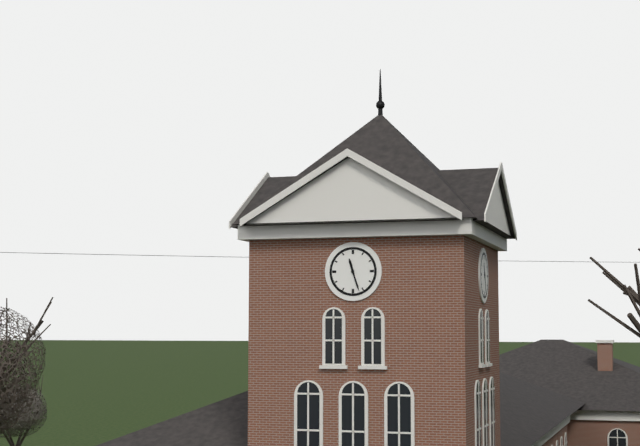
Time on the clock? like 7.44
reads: 11.27
